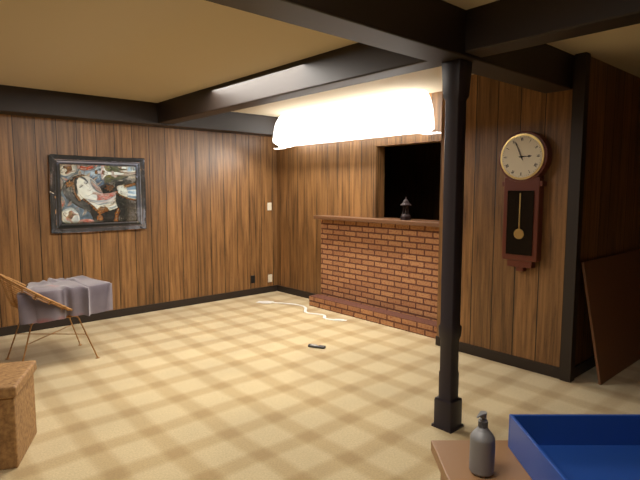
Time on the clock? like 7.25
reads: 2.56
